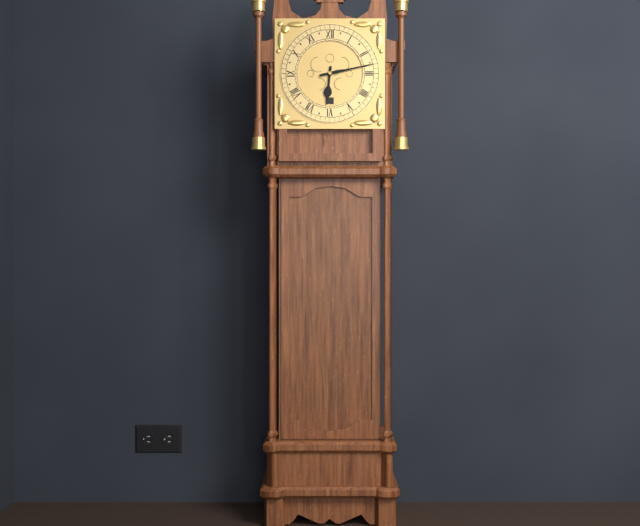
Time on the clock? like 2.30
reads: 6.13
